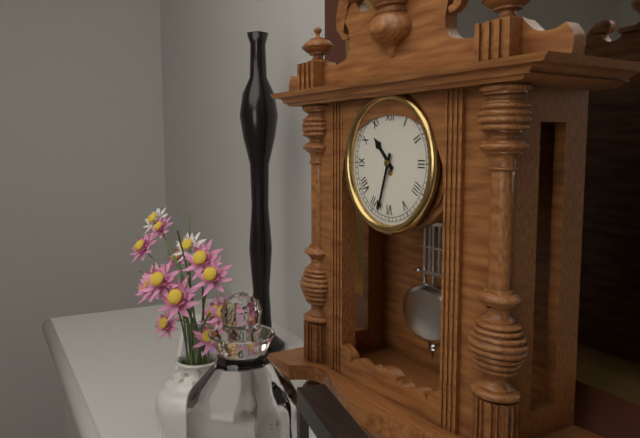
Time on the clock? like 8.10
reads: 10.33
